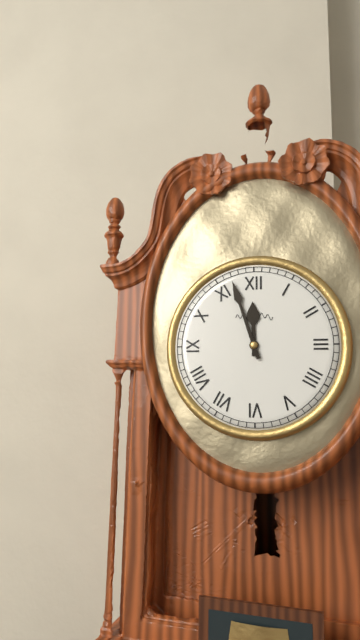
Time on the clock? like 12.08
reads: 11.57
